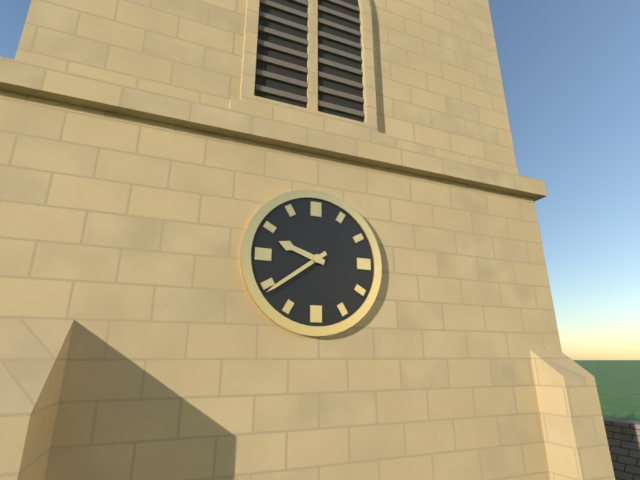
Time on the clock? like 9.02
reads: 9.39
